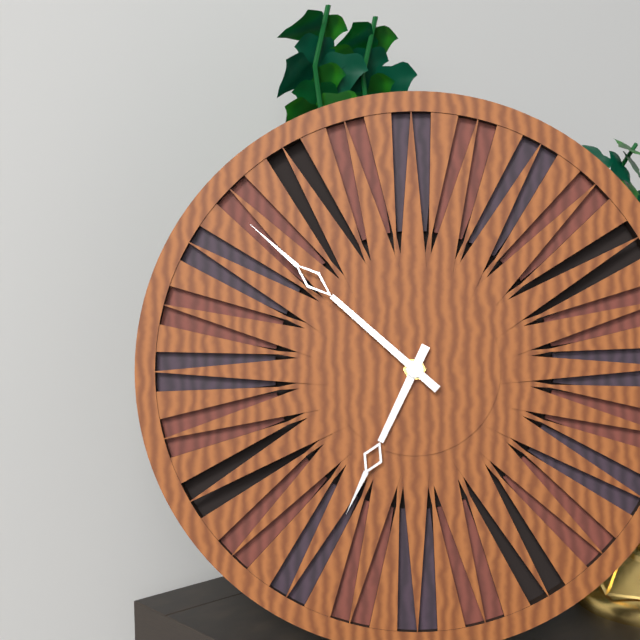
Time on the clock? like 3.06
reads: 6.52
